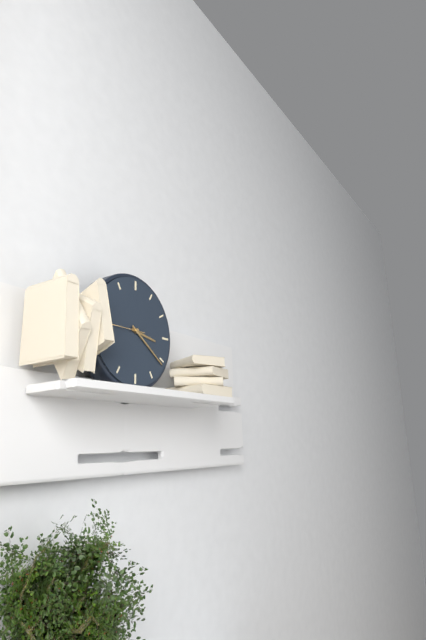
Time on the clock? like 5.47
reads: 3.21
